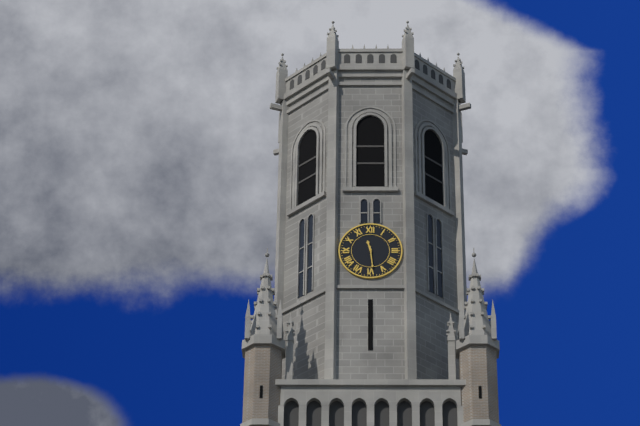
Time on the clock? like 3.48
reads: 11.29
